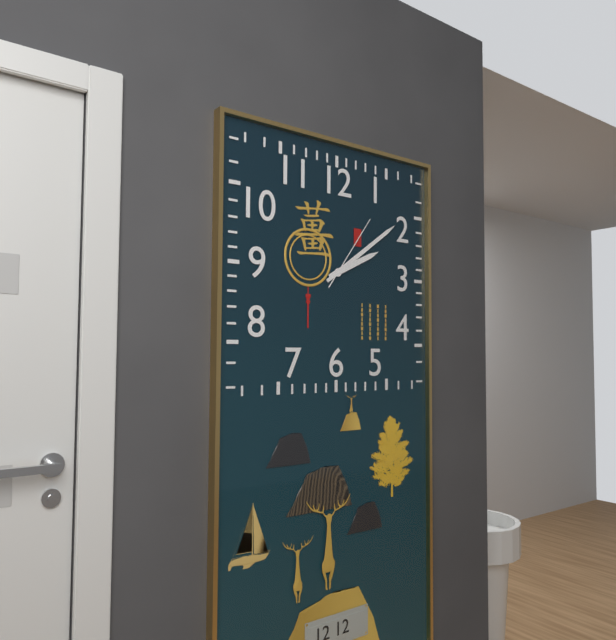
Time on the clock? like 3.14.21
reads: 2.09.06
